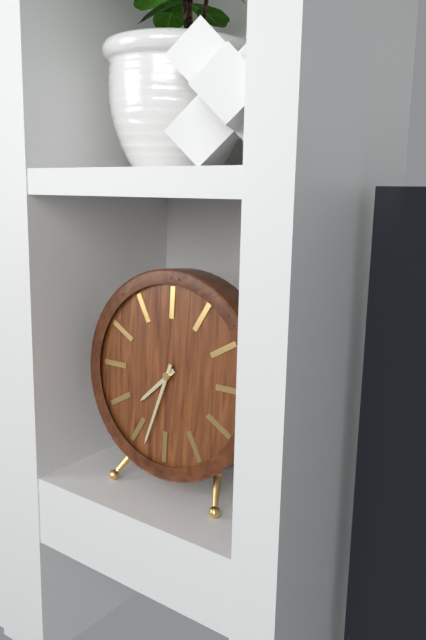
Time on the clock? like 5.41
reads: 7.33
